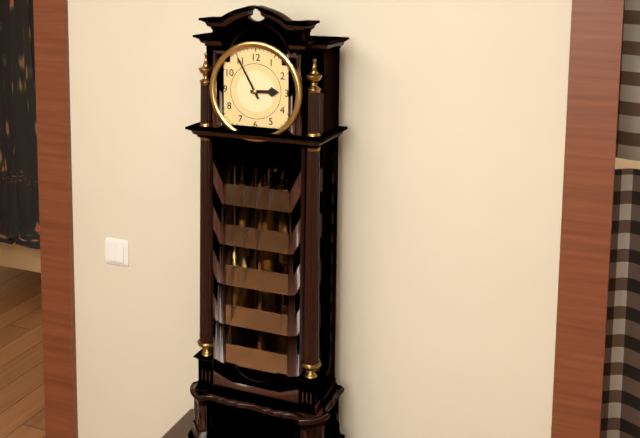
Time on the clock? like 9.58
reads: 2.55
